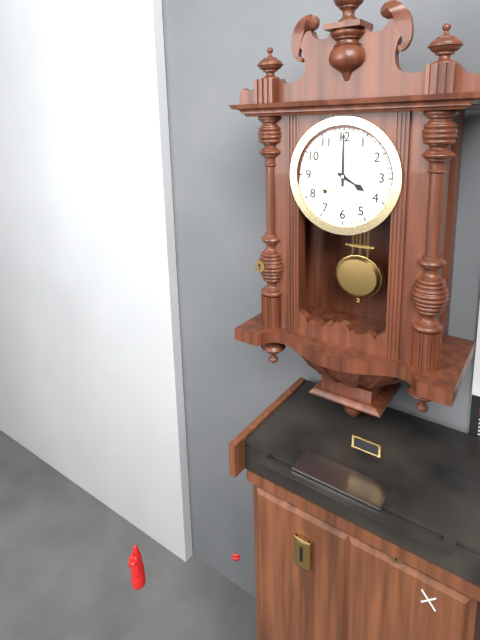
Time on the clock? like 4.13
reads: 4.00
